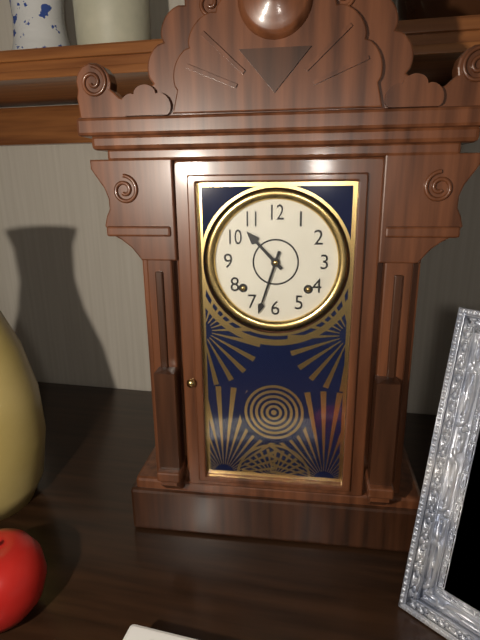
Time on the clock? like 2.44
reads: 10.33
